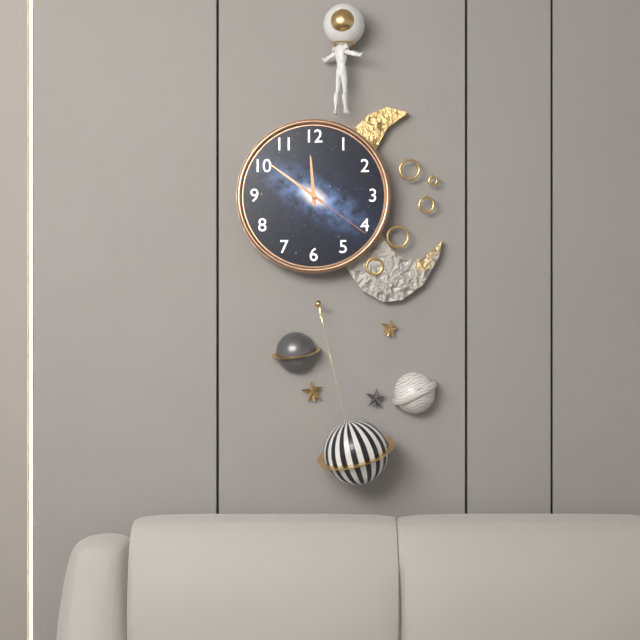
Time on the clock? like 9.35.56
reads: 11.51.21
